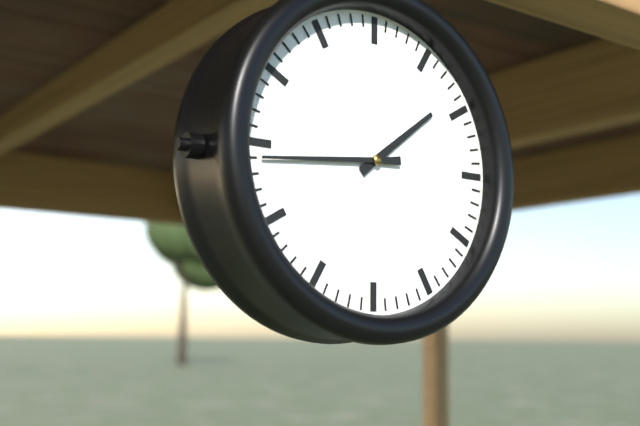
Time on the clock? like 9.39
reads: 1.44
